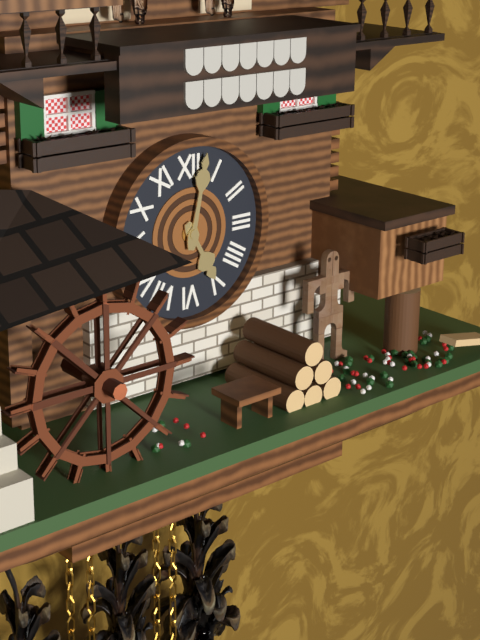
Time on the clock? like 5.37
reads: 5.02
